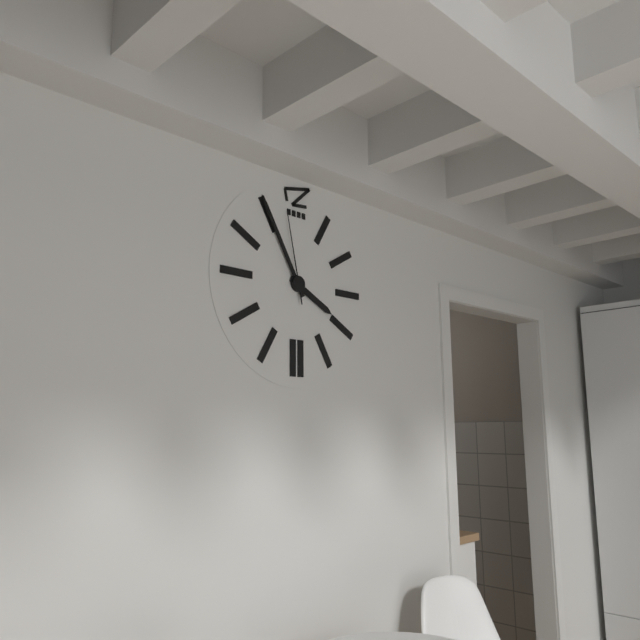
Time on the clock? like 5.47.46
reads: 3.55.58
